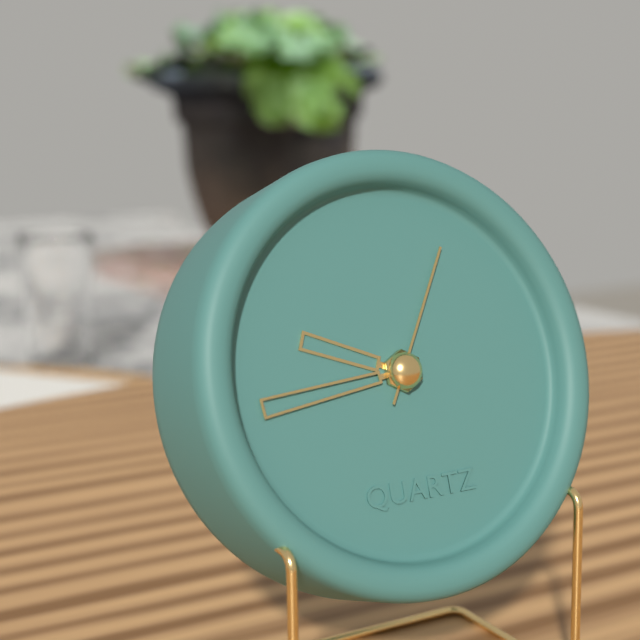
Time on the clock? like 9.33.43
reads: 9.44.05
